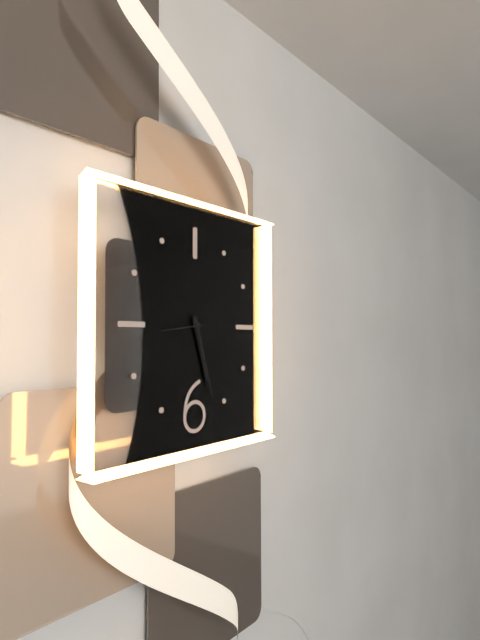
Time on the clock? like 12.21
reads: 5.27
